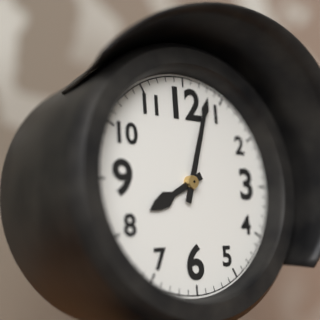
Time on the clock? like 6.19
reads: 8.03
